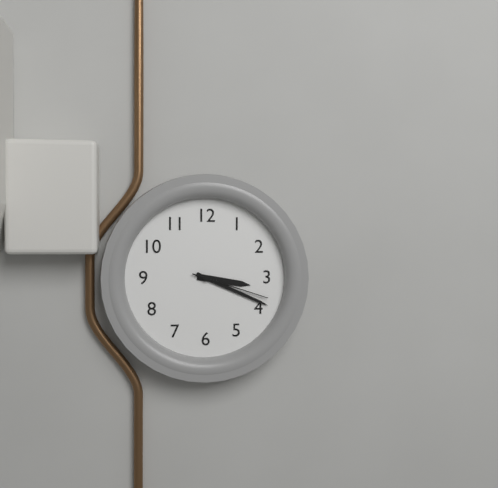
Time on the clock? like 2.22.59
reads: 3.19.18
